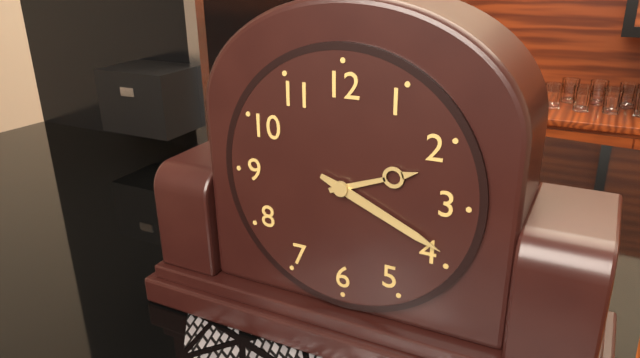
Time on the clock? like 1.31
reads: 2.19
